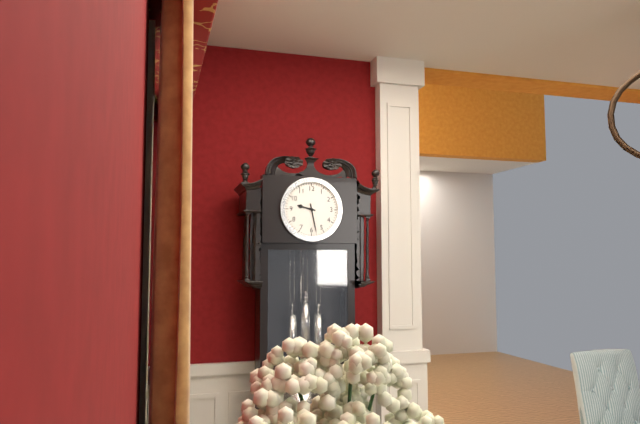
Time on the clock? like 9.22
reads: 9.28
